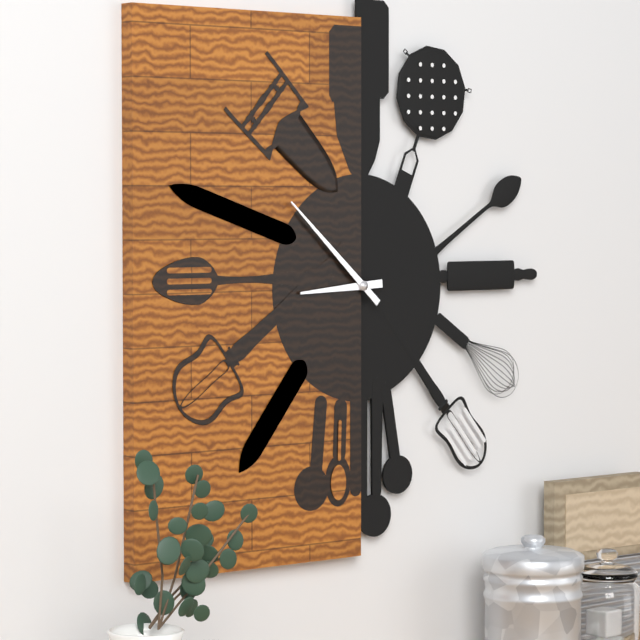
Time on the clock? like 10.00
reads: 8.52
